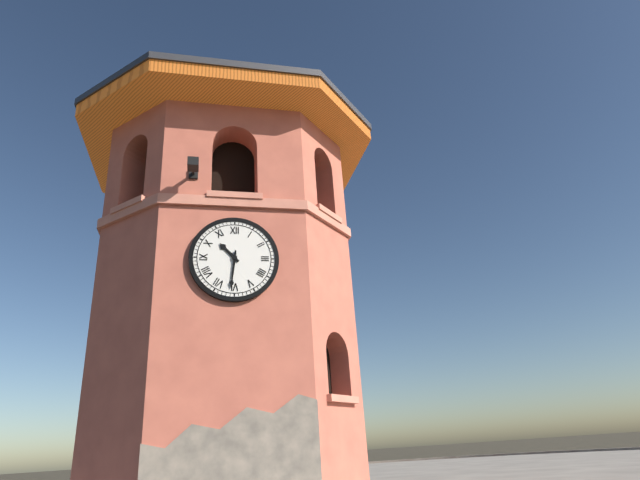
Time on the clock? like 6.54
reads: 10.31
